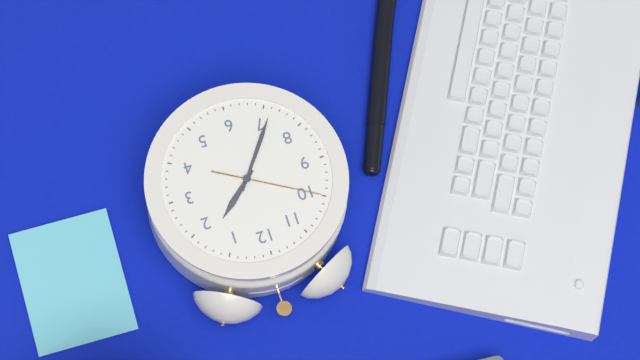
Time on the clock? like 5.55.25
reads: 1.36.50
